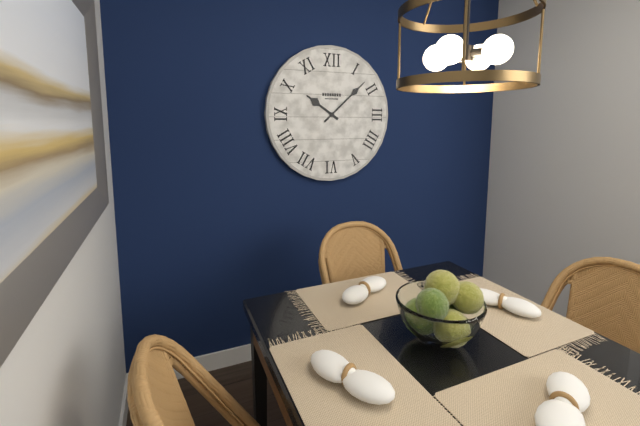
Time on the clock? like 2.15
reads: 10.08
